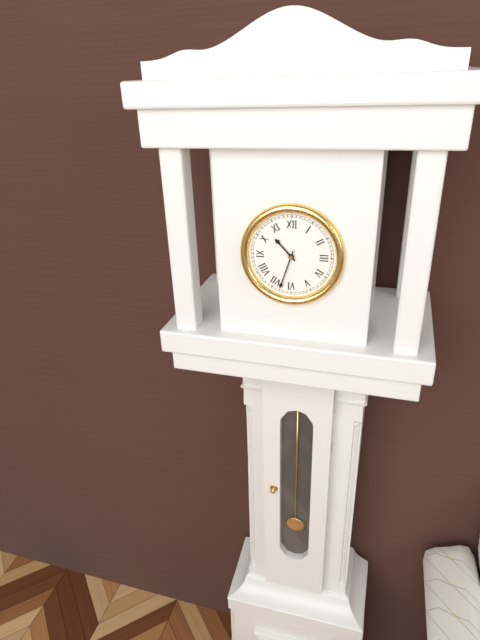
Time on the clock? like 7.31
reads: 10.33
